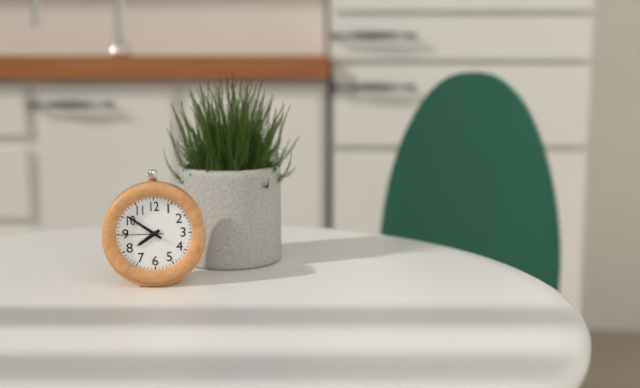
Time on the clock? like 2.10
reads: 7.51
